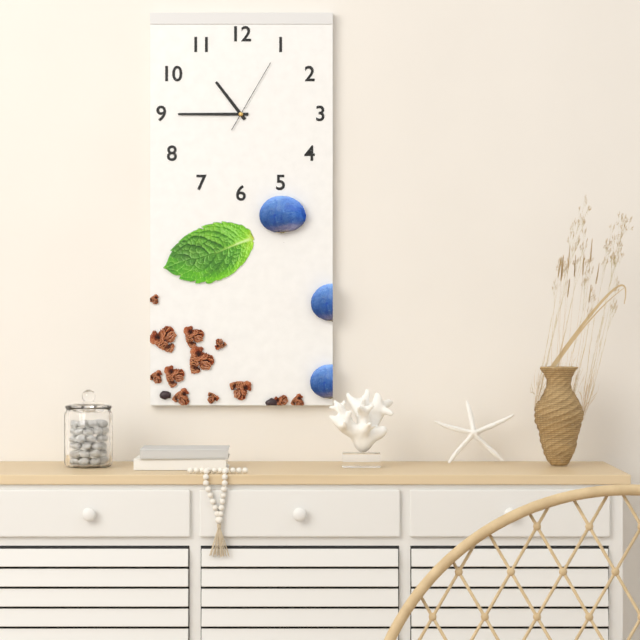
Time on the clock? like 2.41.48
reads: 10.45.05
